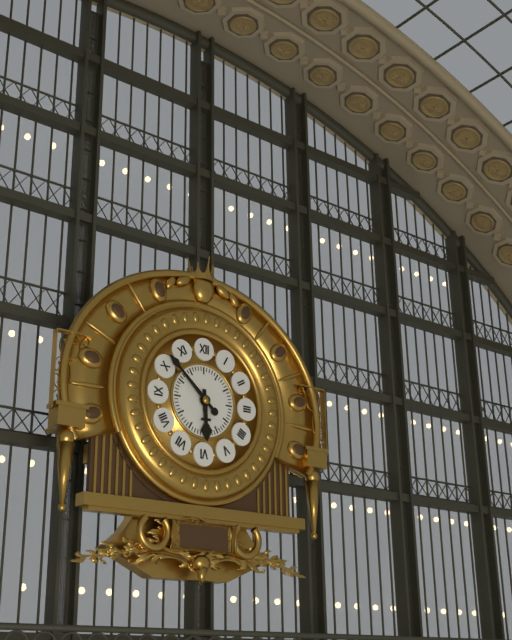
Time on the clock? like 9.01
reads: 5.52
